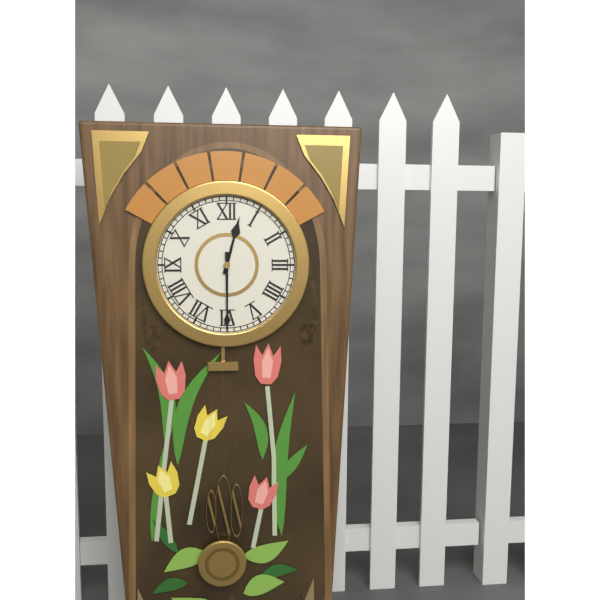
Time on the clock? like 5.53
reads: 12.30
